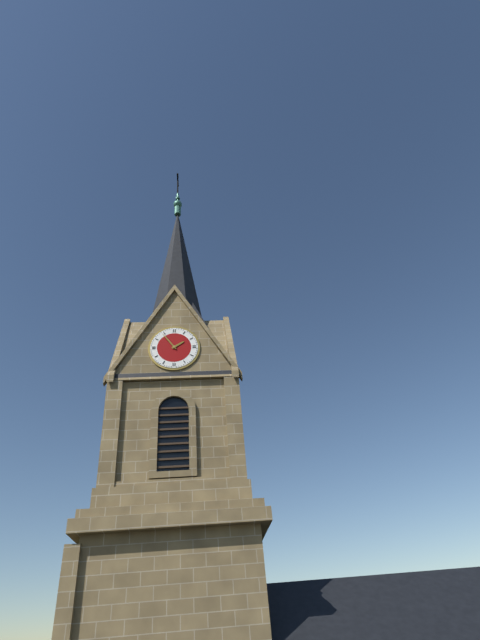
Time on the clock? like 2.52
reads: 1.54
